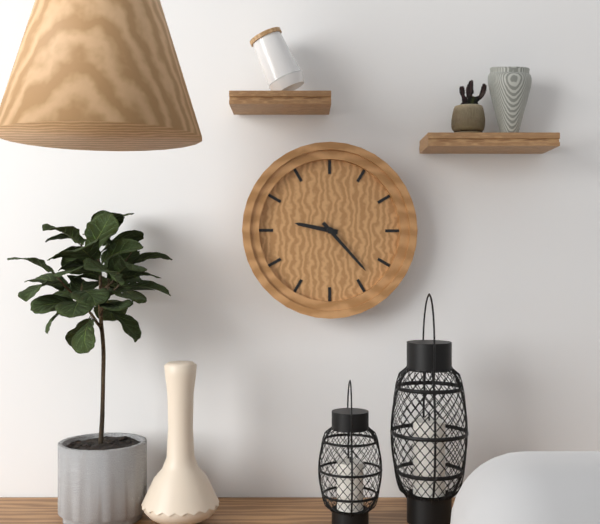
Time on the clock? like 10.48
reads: 9.23
